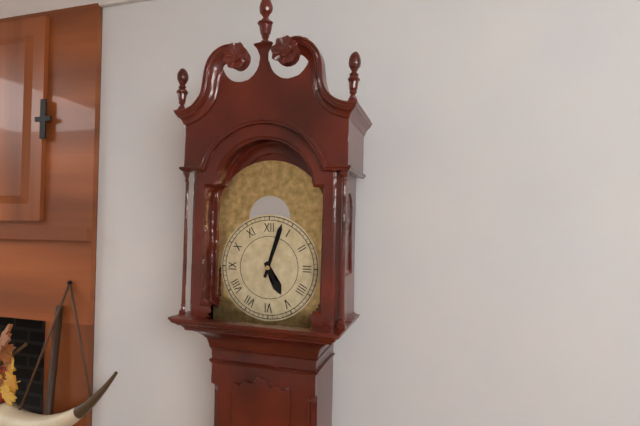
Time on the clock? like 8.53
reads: 5.03
